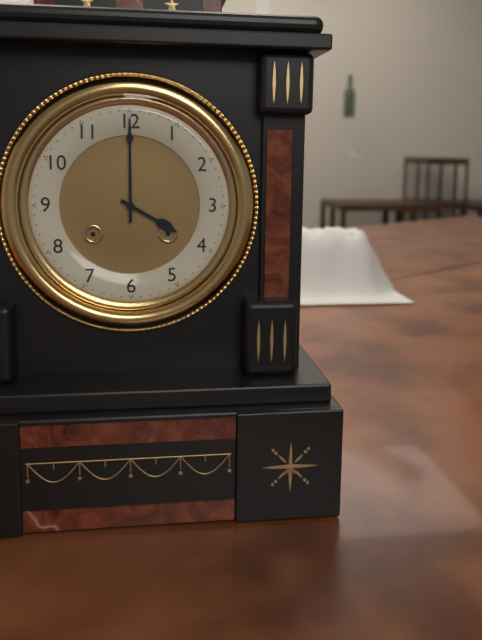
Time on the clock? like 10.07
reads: 4.00
